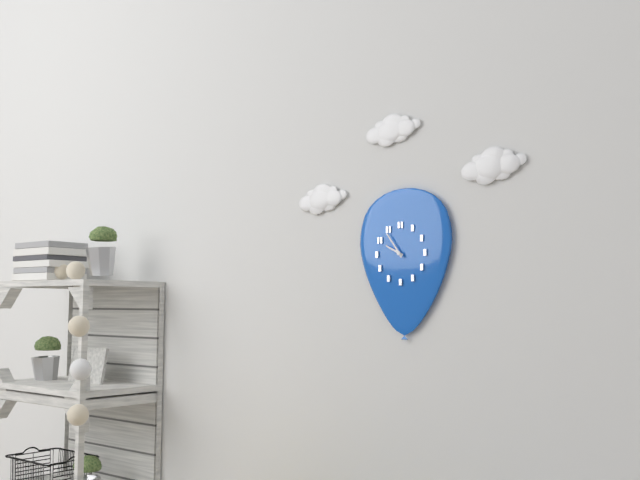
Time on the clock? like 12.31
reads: 9.54
